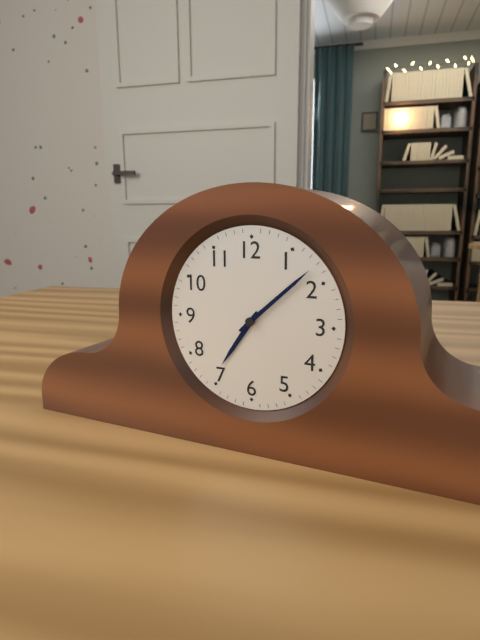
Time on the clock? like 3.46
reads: 7.08
